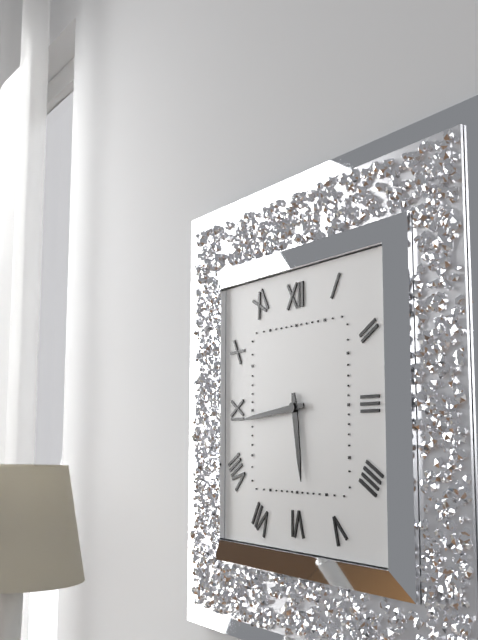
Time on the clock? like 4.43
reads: 5.44
